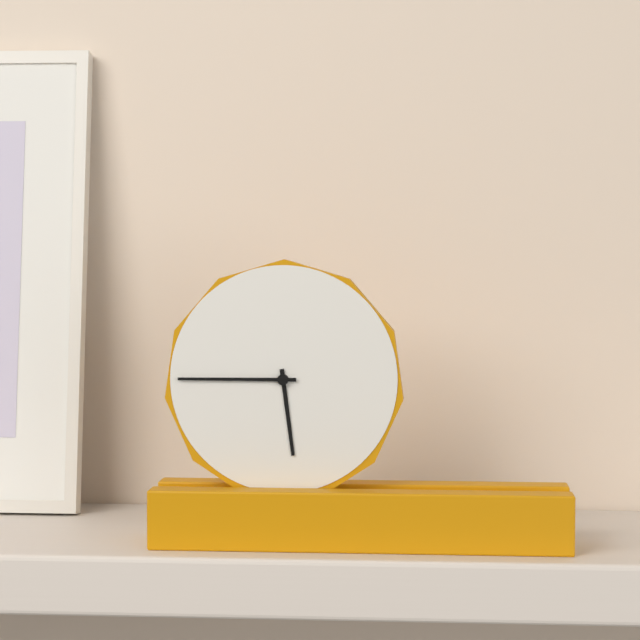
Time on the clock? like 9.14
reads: 5.45
